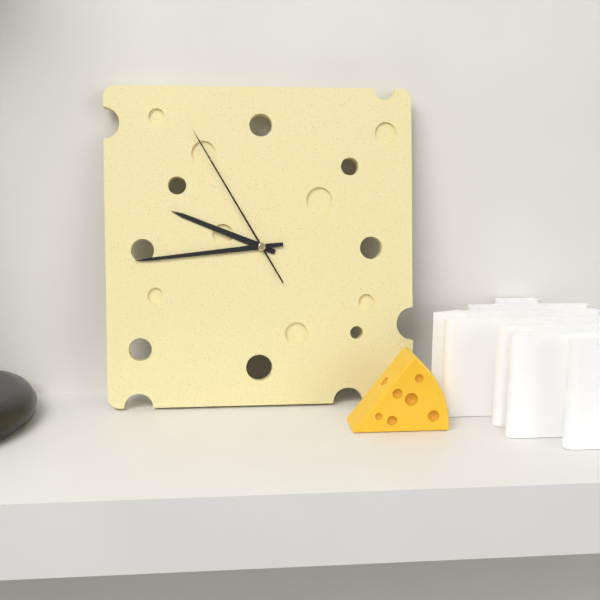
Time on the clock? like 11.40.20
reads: 9.44.55
